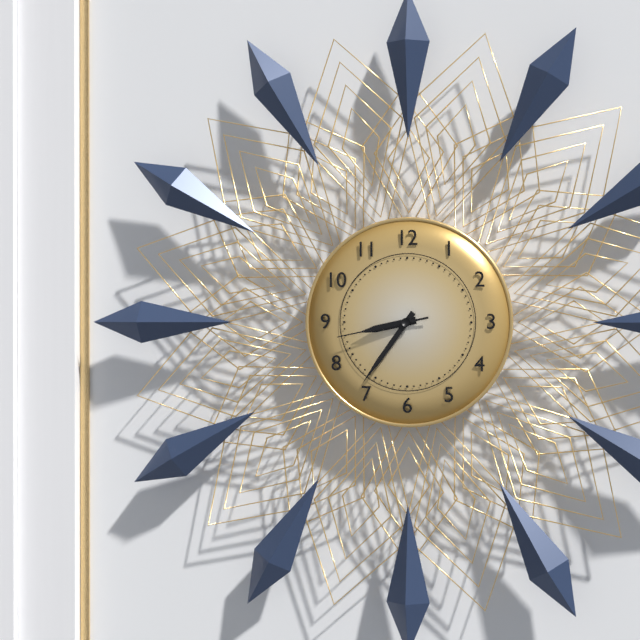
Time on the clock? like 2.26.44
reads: 8.36.43
